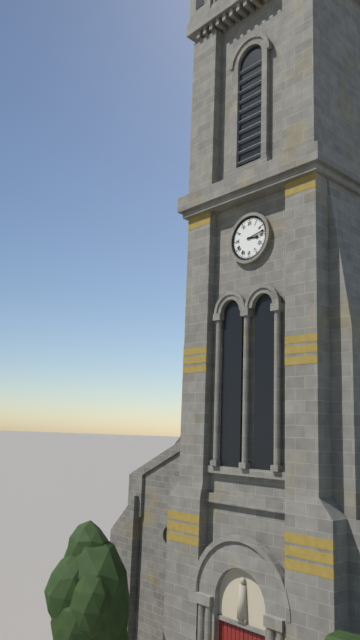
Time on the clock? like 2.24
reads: 3.13
